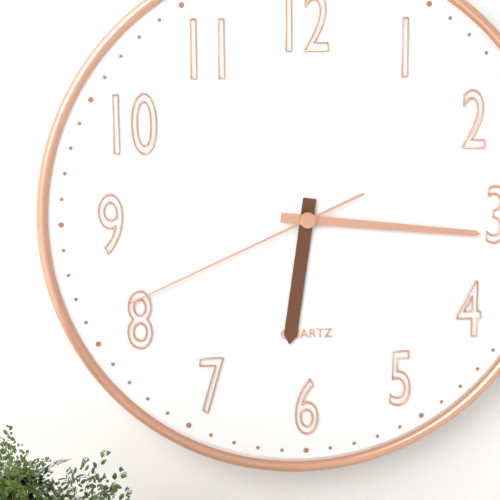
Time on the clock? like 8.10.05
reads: 6.16.41
